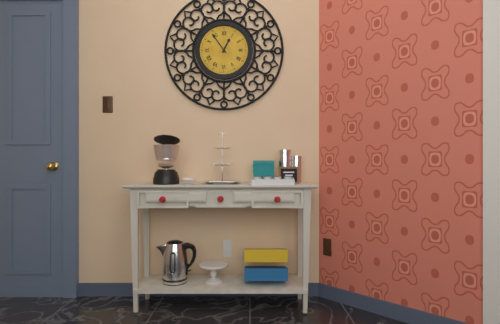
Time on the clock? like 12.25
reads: 12.54
